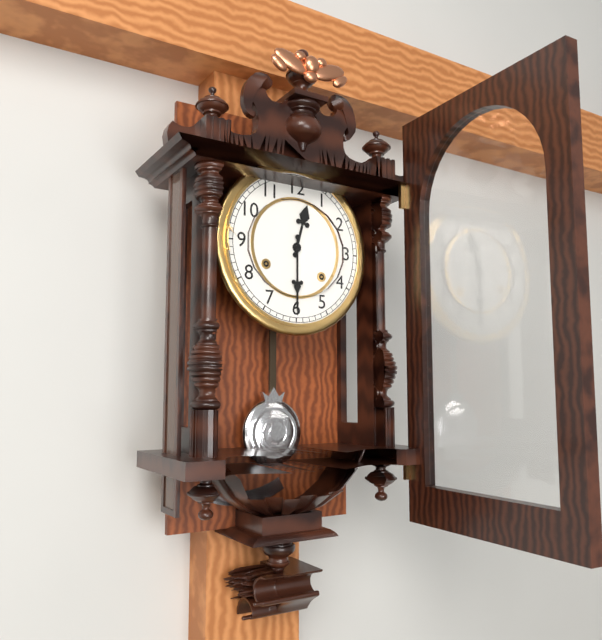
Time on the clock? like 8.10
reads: 12.30
